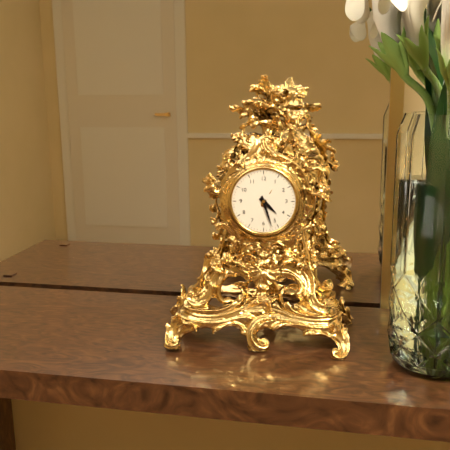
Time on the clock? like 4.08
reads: 4.27
